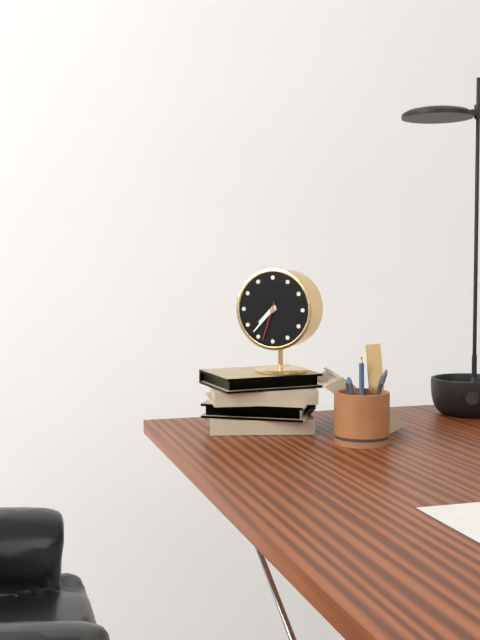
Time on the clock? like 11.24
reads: 7.37
